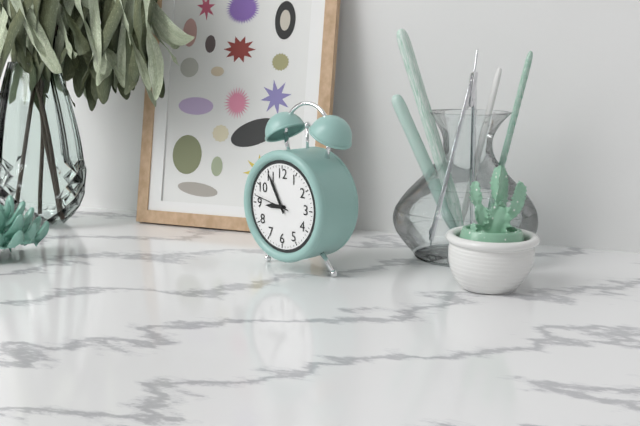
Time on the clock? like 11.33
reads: 8.55
